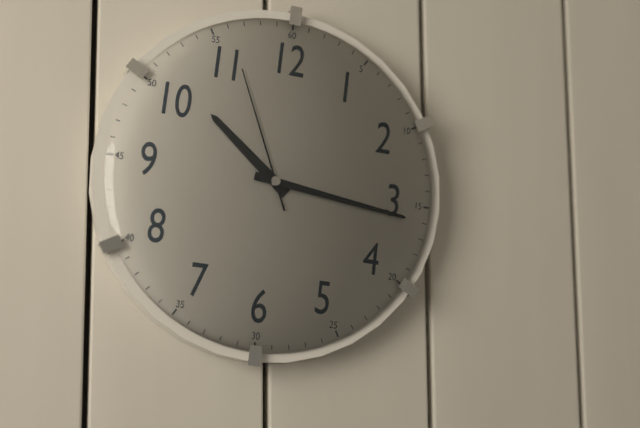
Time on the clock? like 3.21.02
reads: 10.16.56
